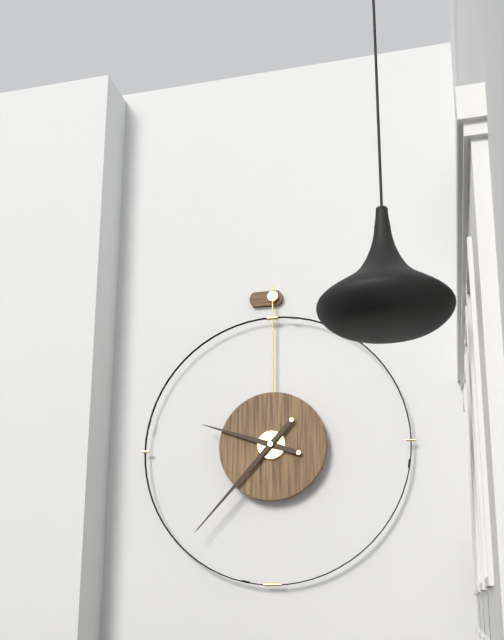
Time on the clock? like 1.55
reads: 9.37
